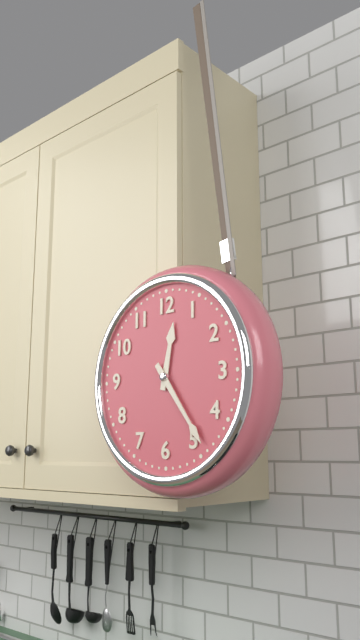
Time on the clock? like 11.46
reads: 12.24
